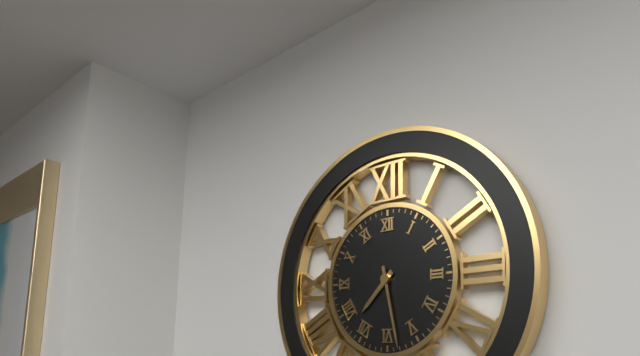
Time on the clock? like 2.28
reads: 7.28
